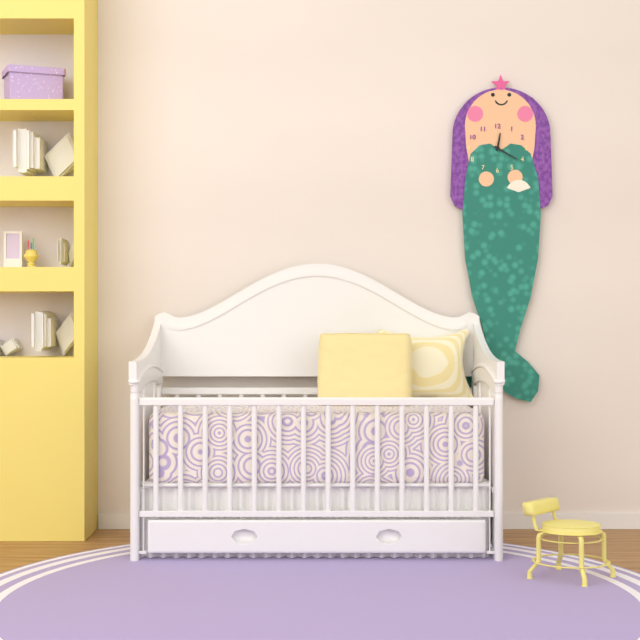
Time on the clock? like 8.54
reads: 12.20
